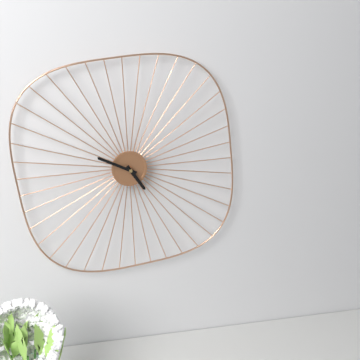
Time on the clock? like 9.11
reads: 4.49
